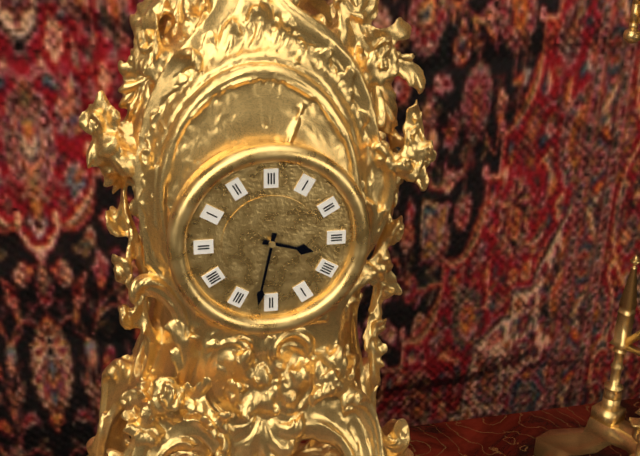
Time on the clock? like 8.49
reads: 3.32
